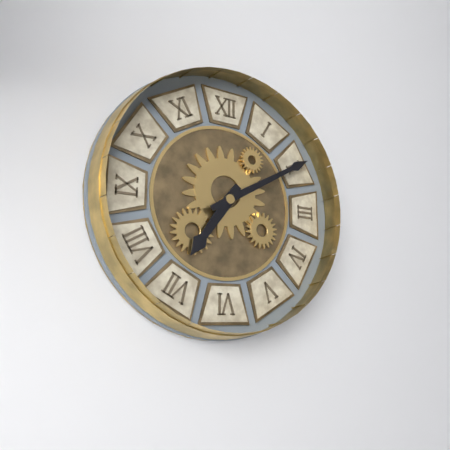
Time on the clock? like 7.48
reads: 7.10
